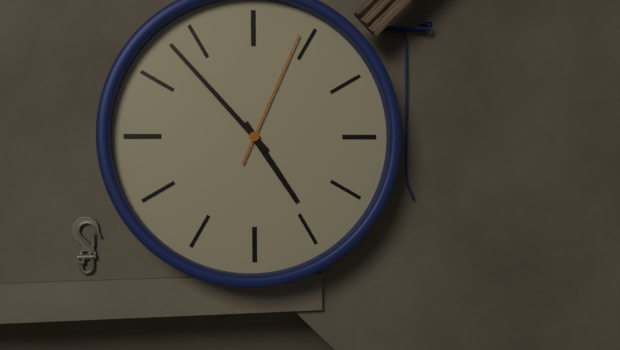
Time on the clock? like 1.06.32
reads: 4.53.04
